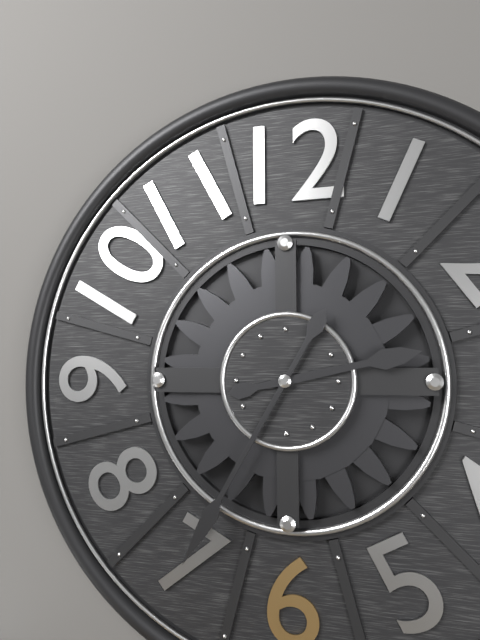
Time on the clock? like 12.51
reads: 2.35
